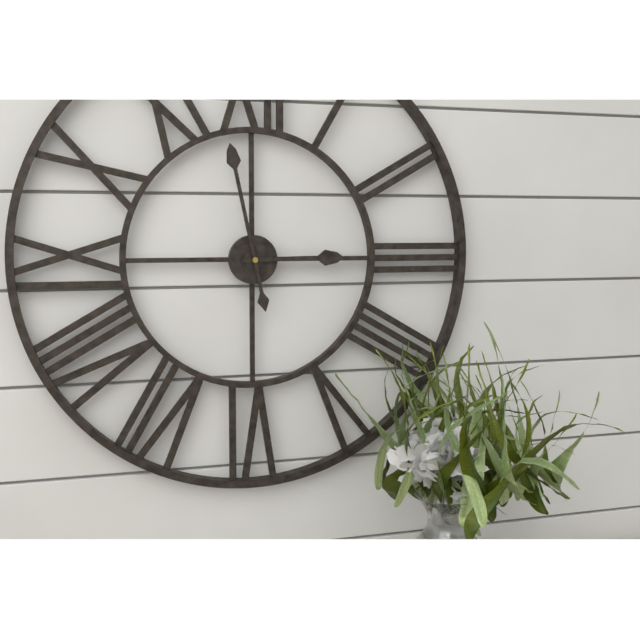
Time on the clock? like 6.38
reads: 2.58
